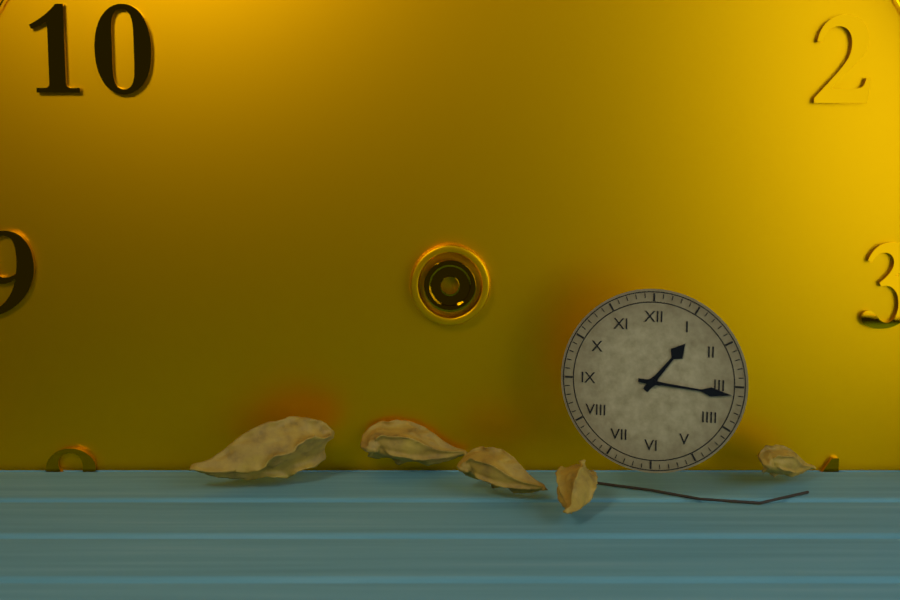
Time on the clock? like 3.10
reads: 1.16
